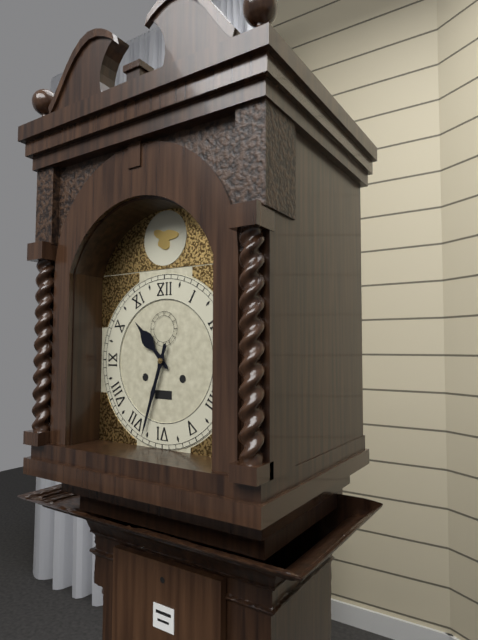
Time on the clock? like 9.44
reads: 10.33
